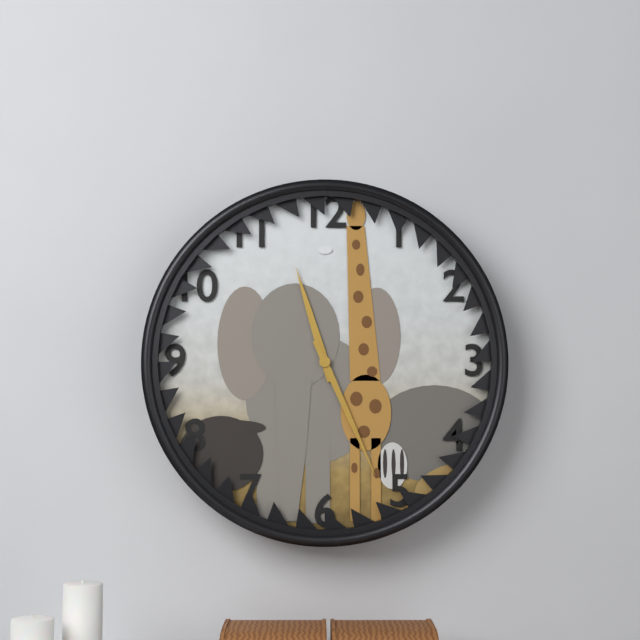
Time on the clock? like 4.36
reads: 11.26
